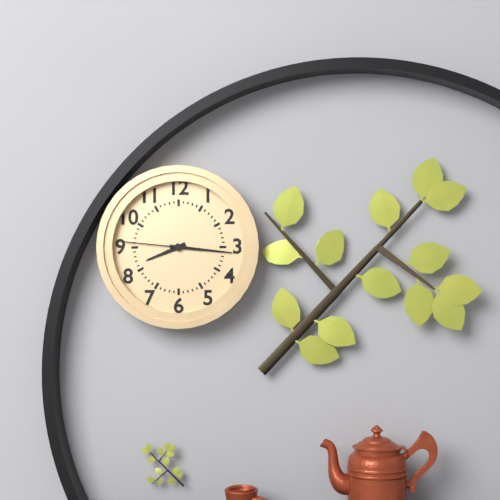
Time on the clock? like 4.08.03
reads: 8.16.46
